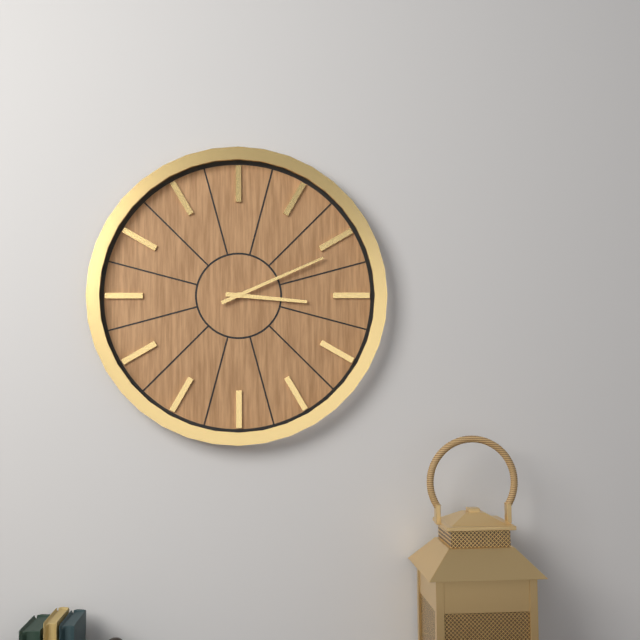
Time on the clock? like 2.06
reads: 3.11
